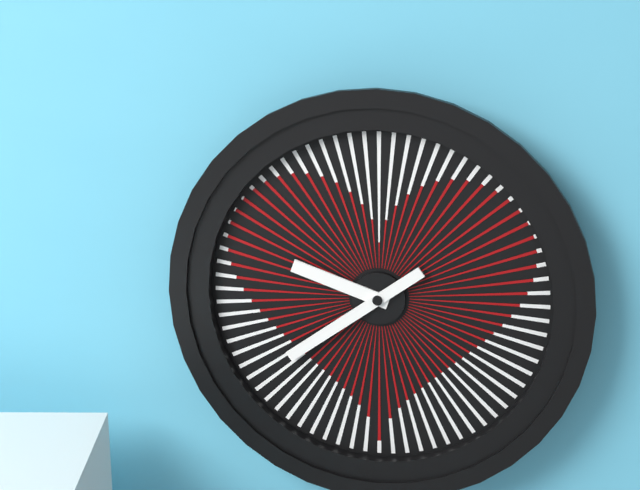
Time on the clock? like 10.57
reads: 9.39
